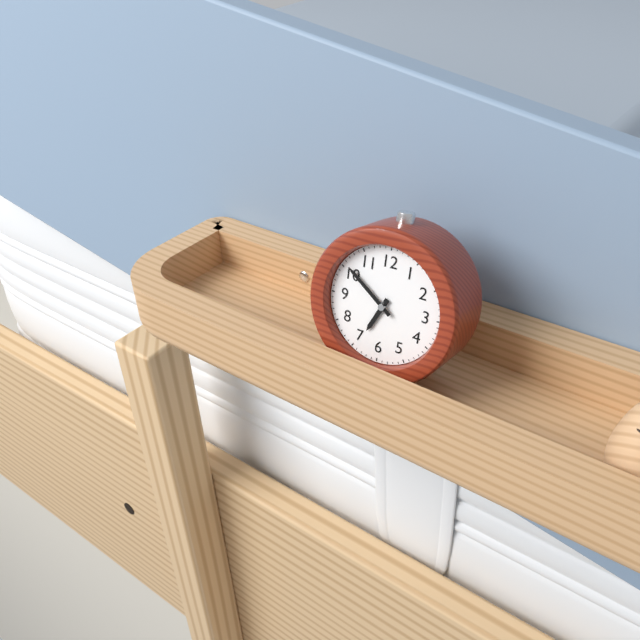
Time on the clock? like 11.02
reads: 6.51
